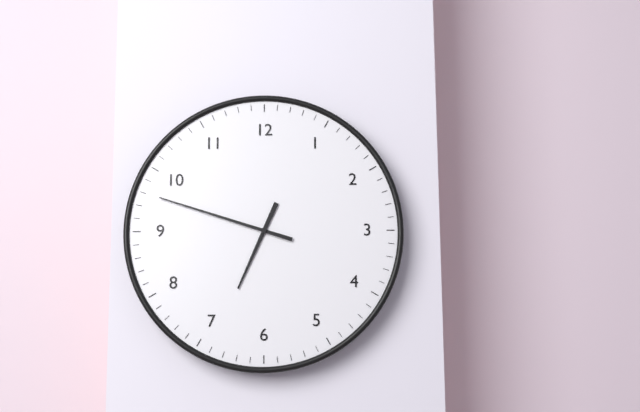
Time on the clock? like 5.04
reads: 6.48
